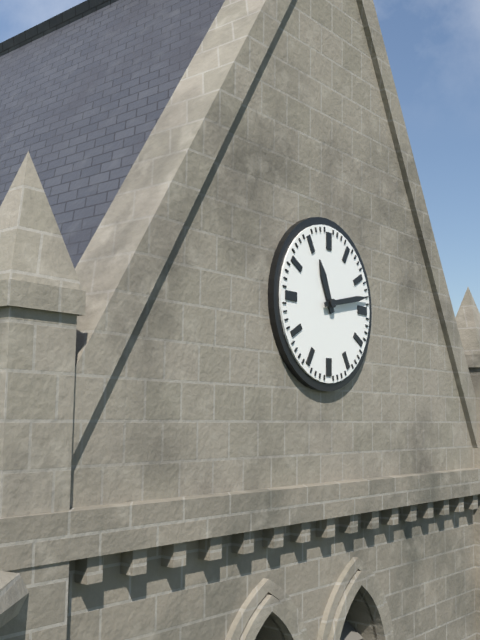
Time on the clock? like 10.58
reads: 11.13
